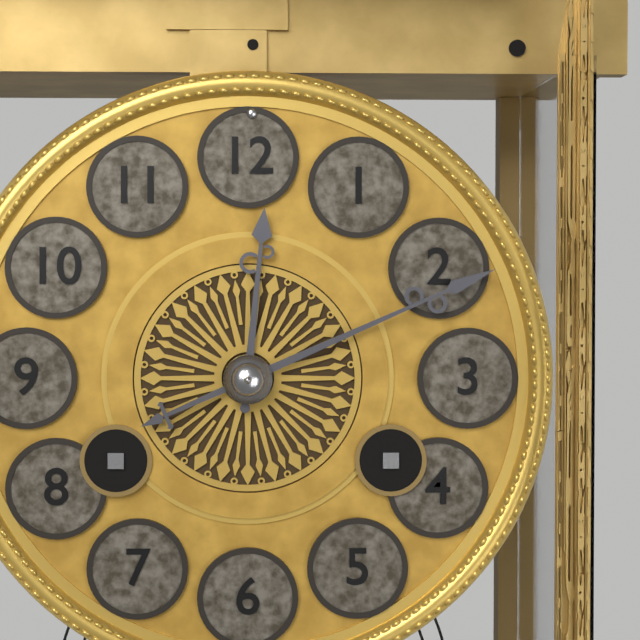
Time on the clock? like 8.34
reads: 12.11
